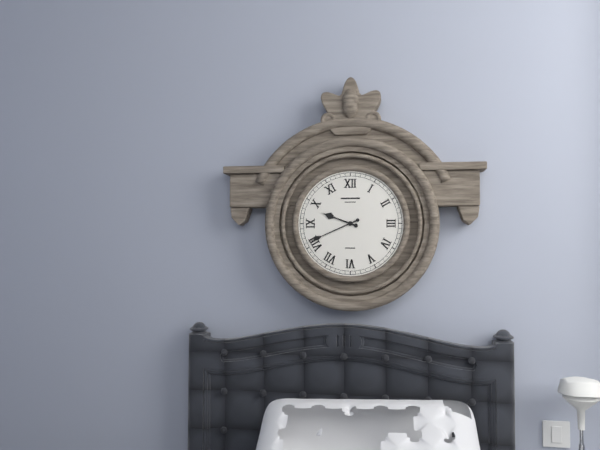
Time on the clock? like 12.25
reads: 9.41
